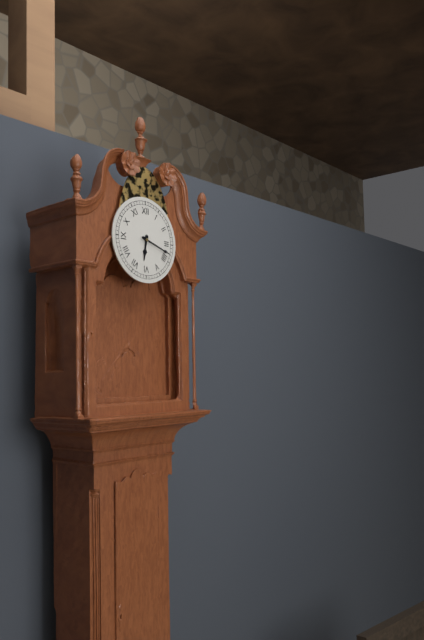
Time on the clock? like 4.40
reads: 6.18
